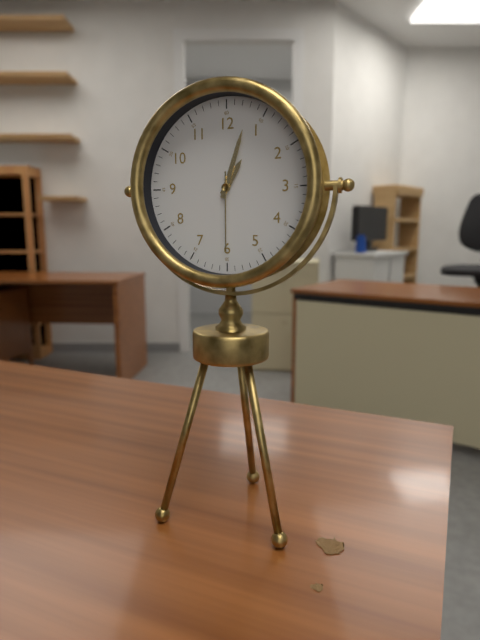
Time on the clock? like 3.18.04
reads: 1.03.30
